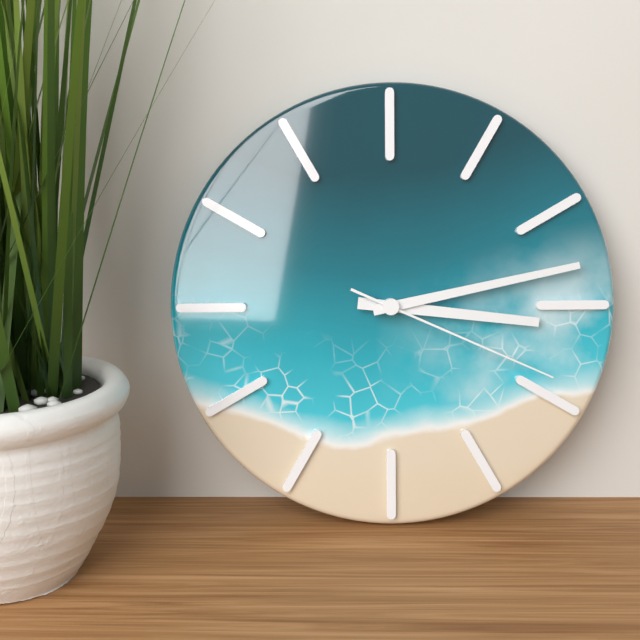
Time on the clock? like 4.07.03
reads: 3.13.19
